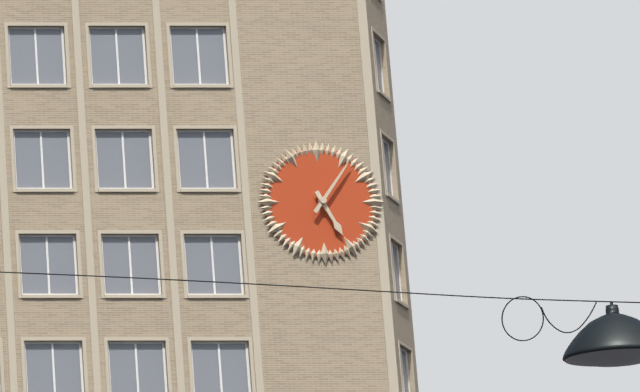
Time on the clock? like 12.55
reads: 5.06
